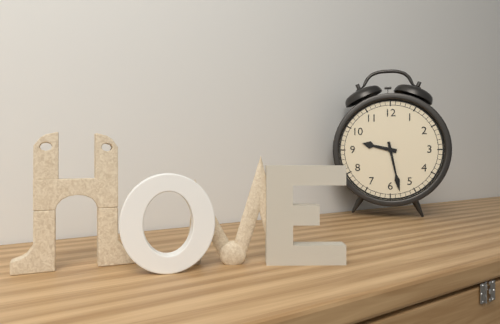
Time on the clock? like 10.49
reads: 9.28
